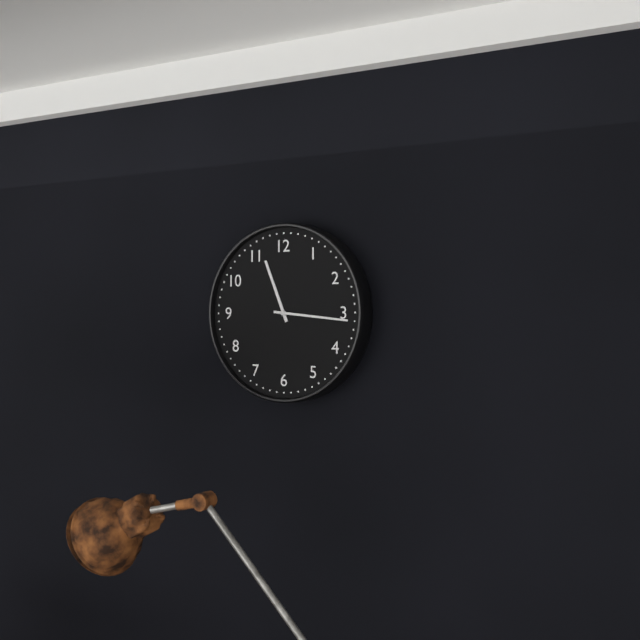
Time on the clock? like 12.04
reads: 11.16
